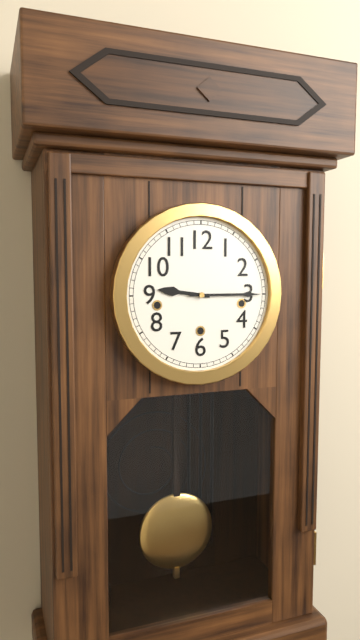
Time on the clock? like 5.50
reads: 9.15
